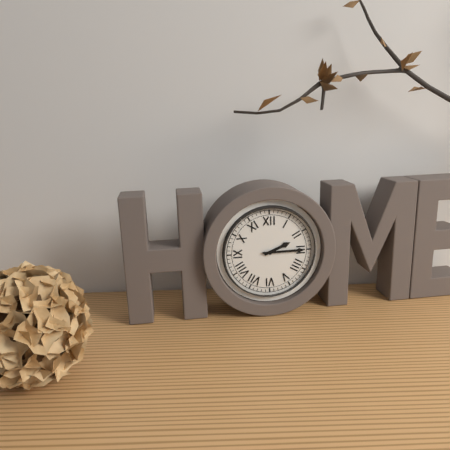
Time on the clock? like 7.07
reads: 2.15
